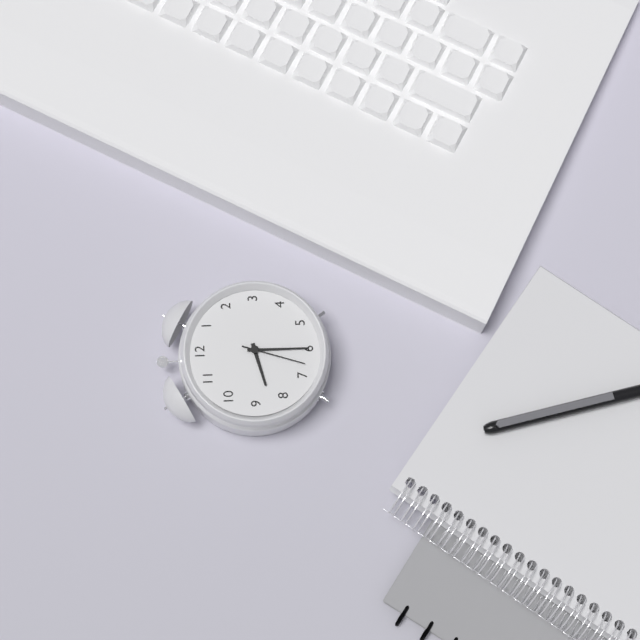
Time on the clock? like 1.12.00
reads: 8.30.33
